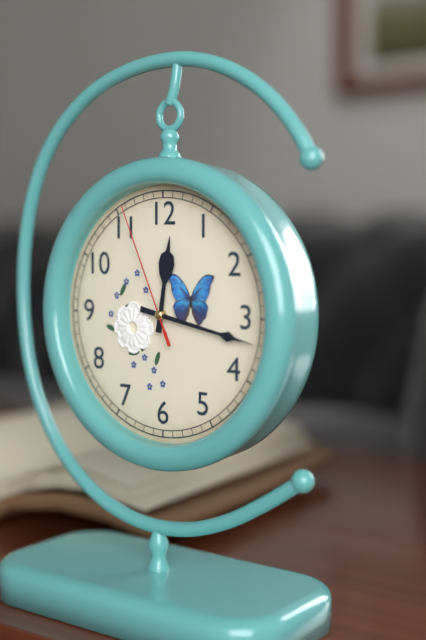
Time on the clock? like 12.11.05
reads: 12.17.56
